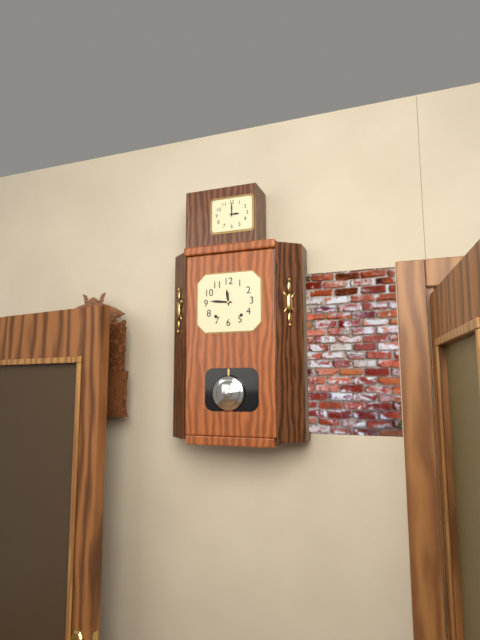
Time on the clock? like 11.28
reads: 11.46
